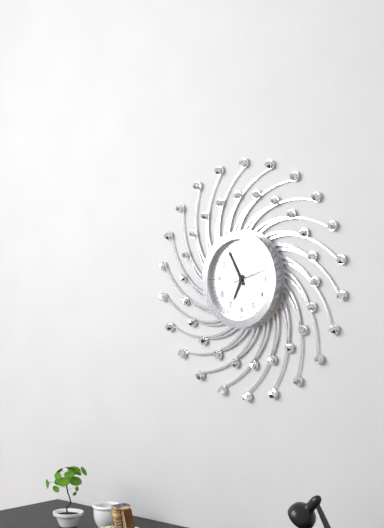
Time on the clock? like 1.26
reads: 6.55
